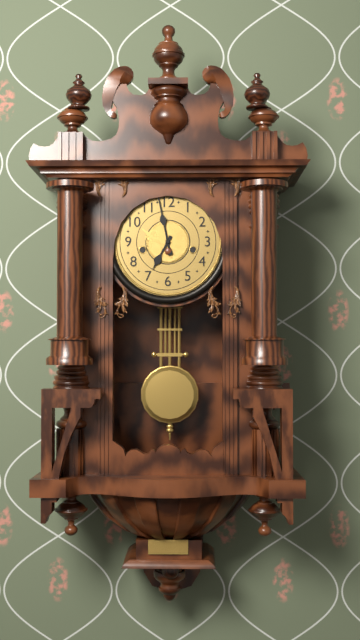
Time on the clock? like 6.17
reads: 6.58
